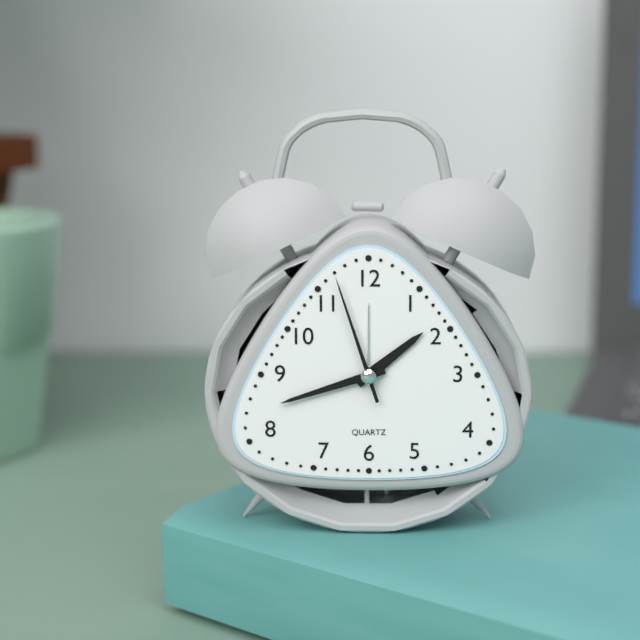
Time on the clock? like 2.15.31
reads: 1.42.57
